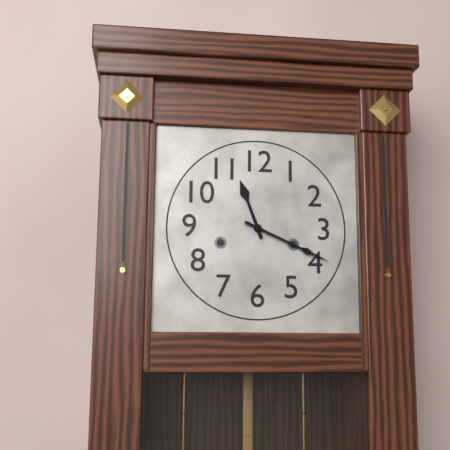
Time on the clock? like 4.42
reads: 11.19
